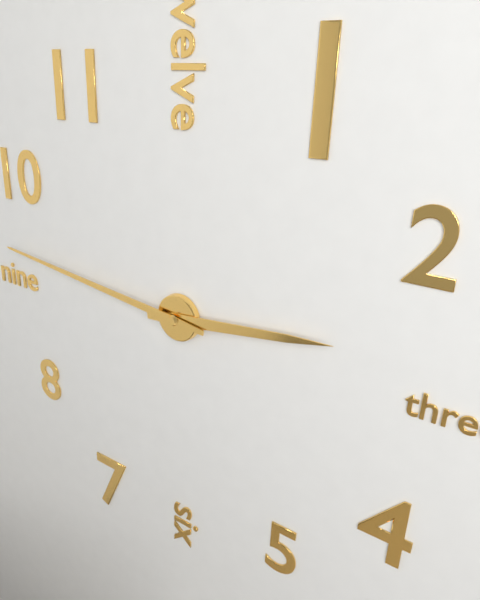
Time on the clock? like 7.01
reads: 2.46
